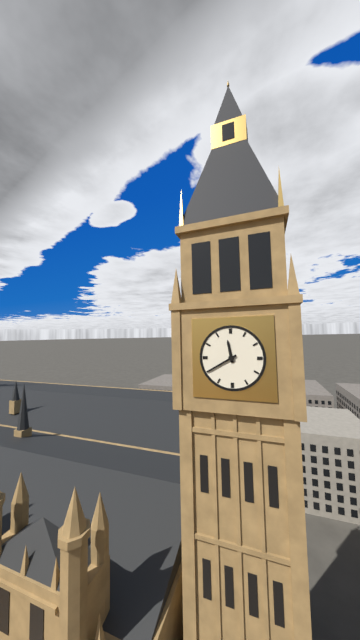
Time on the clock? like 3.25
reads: 11.40
